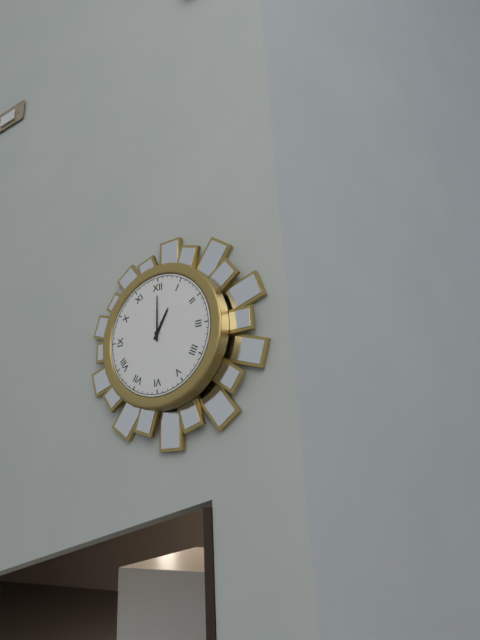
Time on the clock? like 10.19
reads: 1.00
